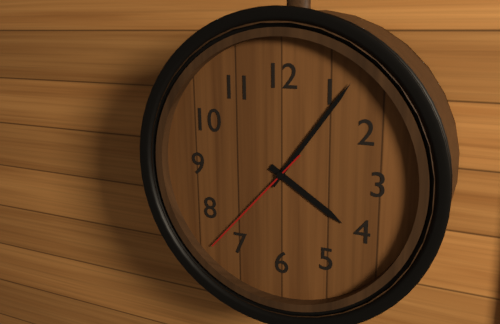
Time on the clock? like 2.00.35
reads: 4.06.37
